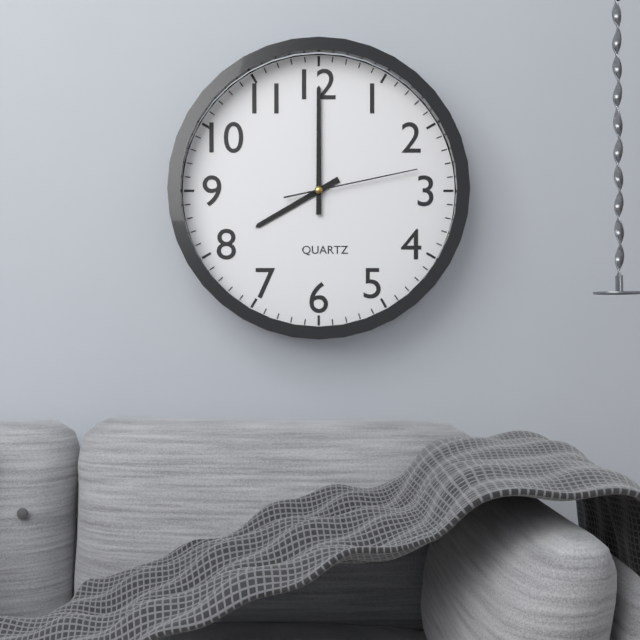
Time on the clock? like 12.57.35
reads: 8.00.13
